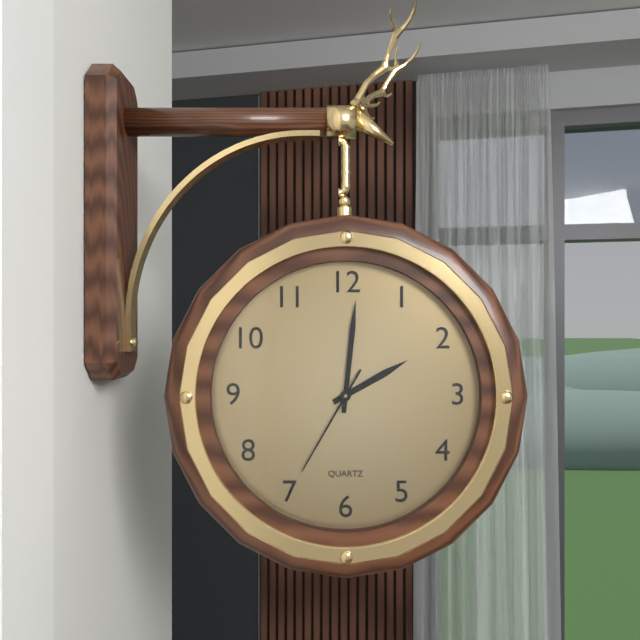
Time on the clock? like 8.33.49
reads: 2.01.35
